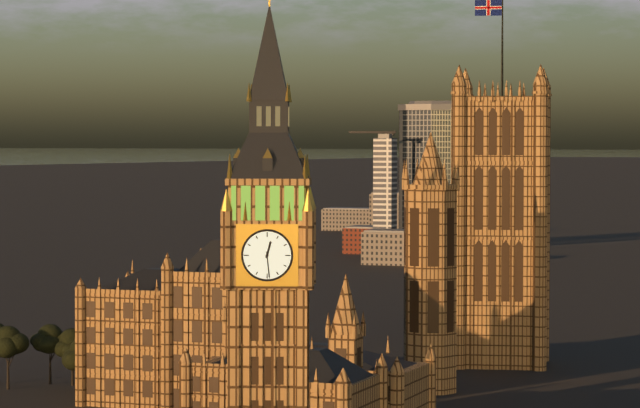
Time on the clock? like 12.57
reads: 12.29
